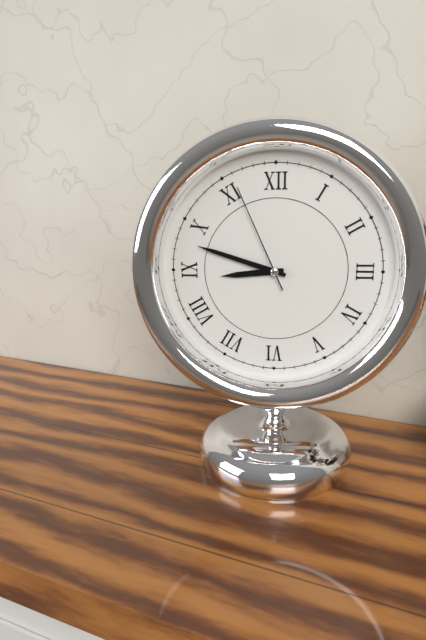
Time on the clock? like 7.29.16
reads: 8.48.56
